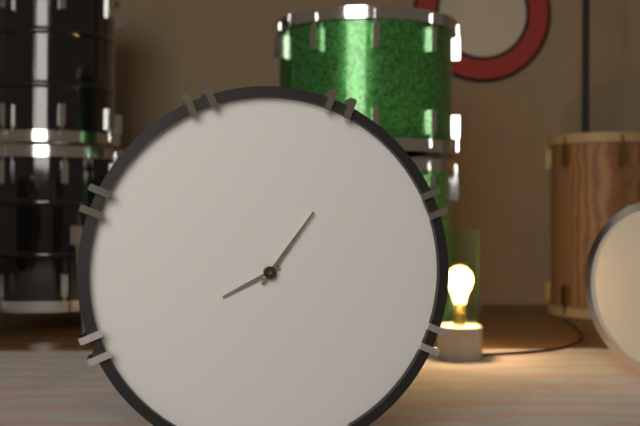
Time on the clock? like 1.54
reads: 8.06
